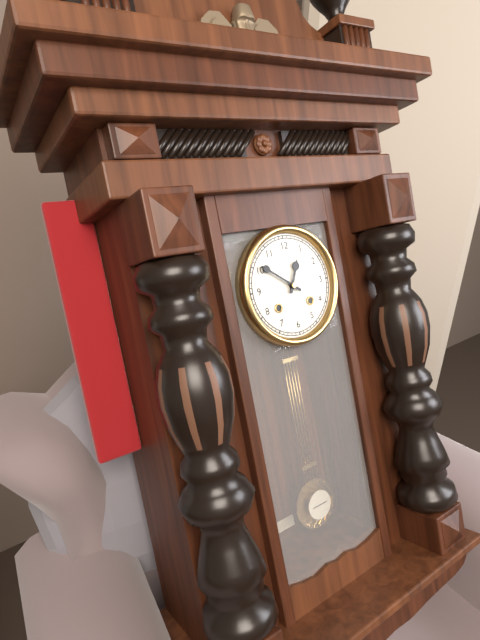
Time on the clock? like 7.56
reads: 12.51
